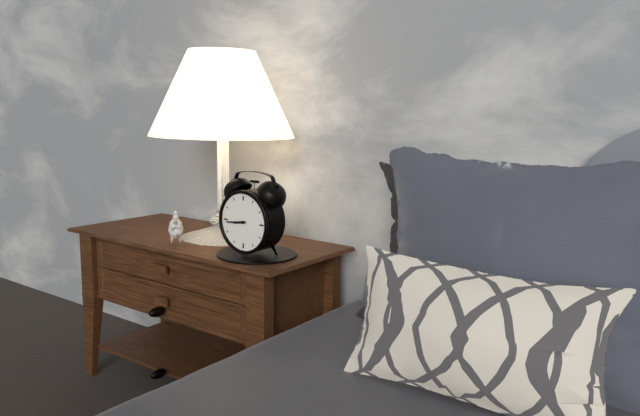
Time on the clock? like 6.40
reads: 8.44
